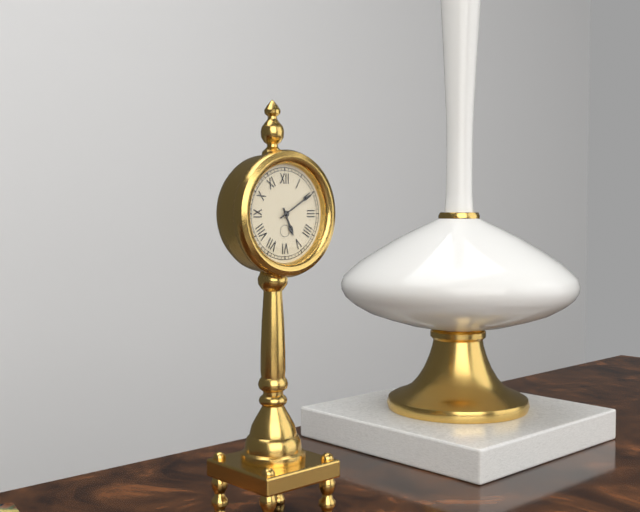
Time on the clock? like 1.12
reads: 5.10
